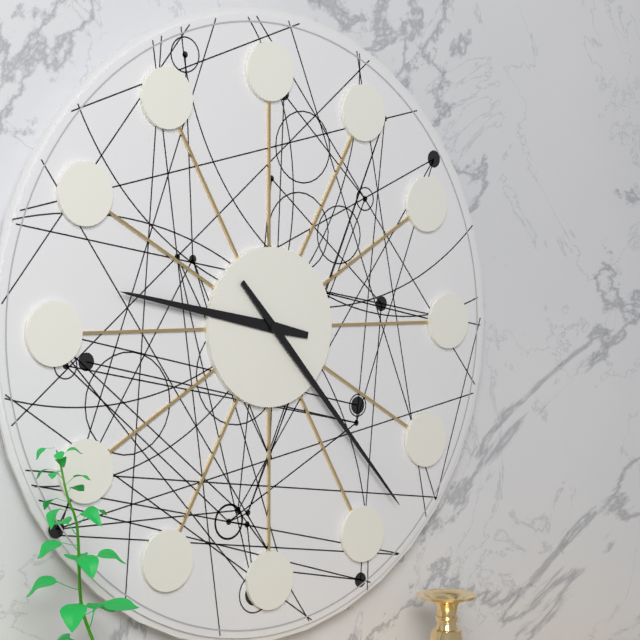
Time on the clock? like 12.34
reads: 9.23
